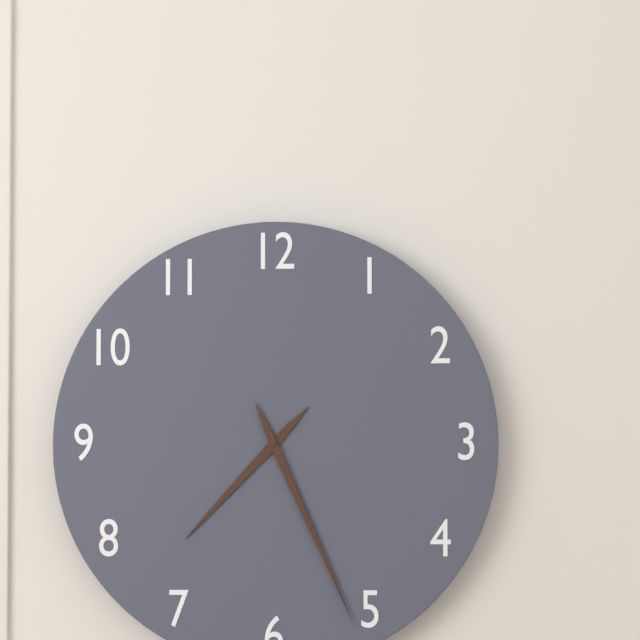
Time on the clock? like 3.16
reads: 7.26
